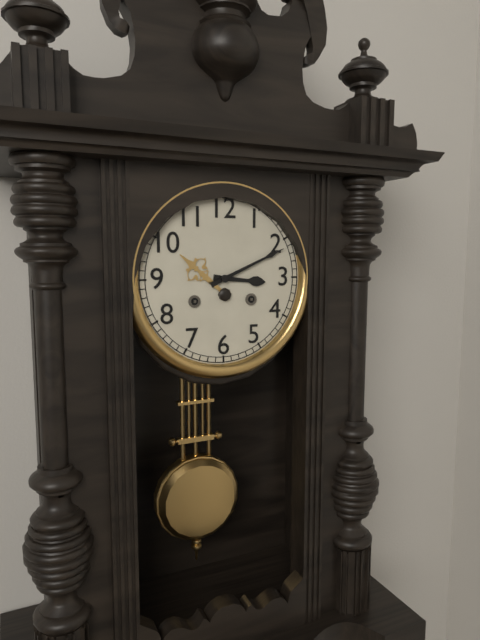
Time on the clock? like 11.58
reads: 3.11
